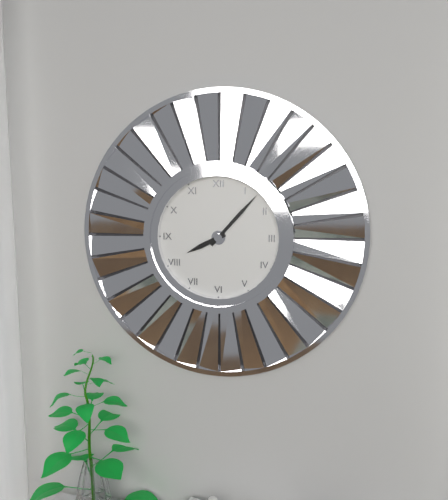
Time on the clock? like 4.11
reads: 8.07
